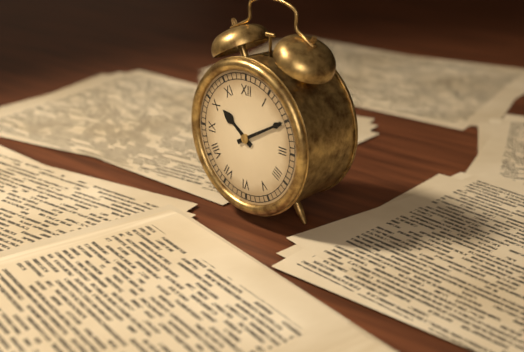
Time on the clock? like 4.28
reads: 10.10
